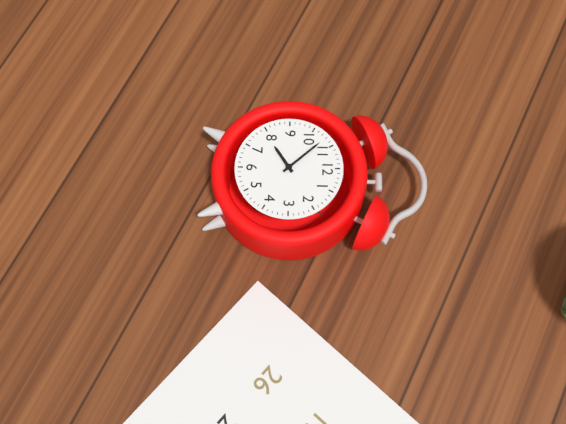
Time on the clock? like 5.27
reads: 7.53
